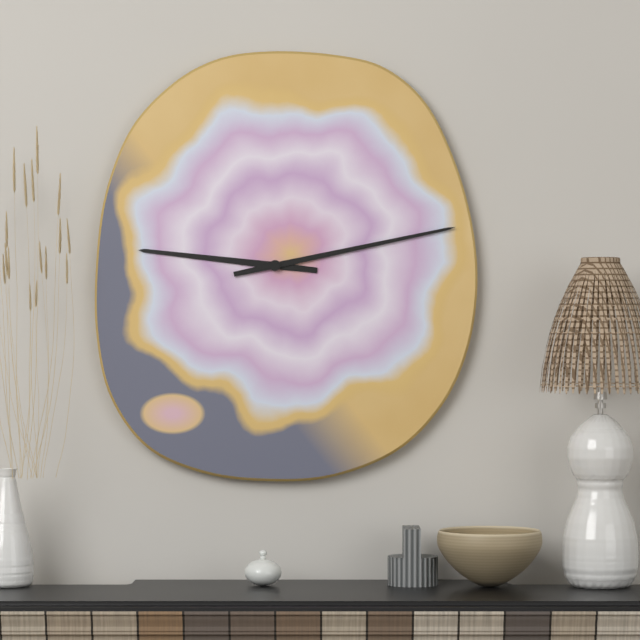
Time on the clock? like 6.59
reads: 9.13
